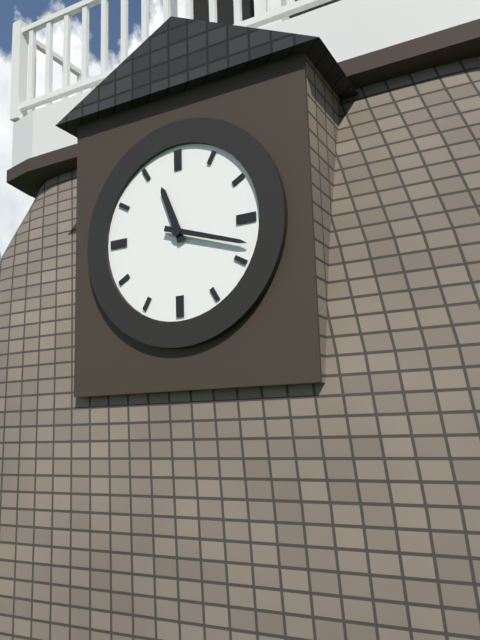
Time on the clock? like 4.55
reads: 11.18
